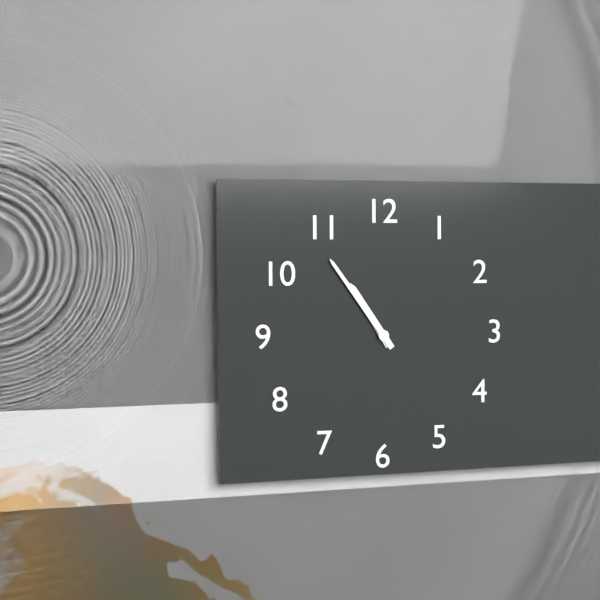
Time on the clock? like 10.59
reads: 10.54
